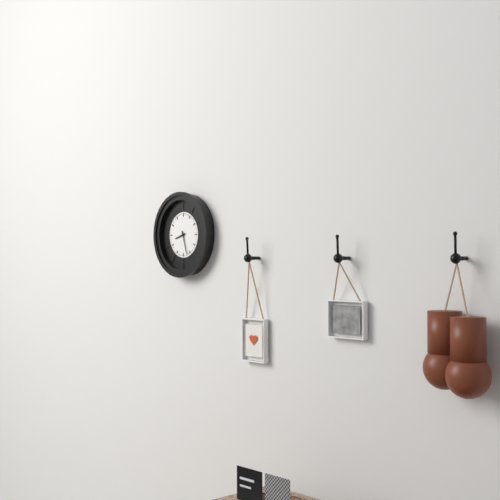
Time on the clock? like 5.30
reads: 8.27
